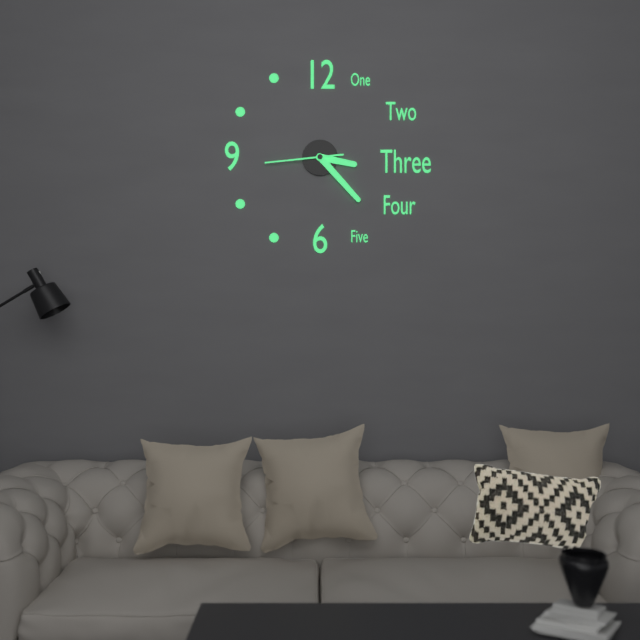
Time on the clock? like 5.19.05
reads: 3.23.44
